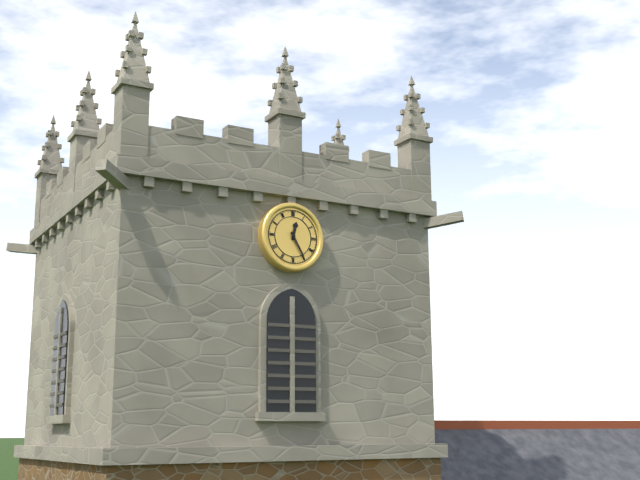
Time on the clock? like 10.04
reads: 12.25
